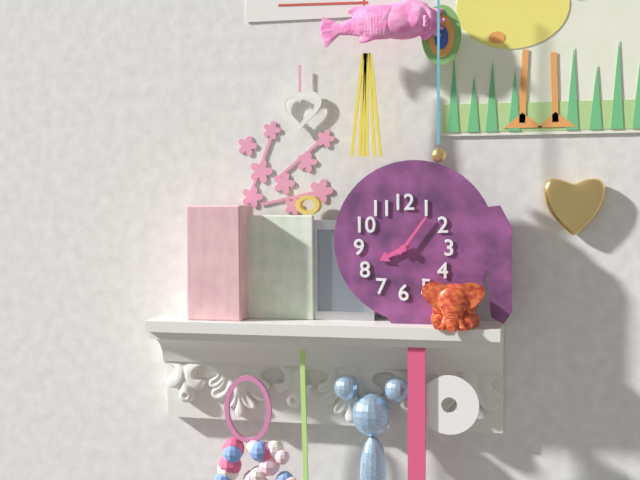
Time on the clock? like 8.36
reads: 8.06
